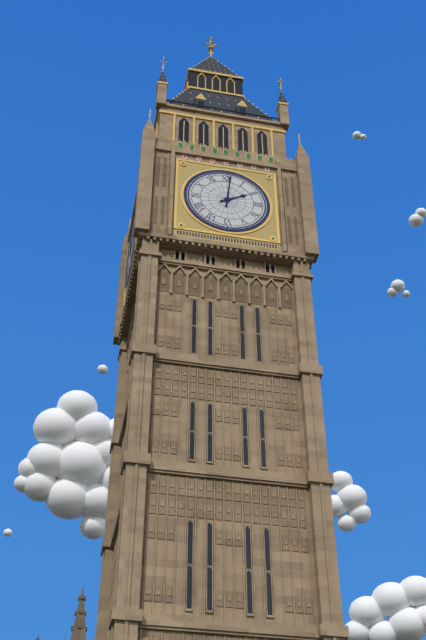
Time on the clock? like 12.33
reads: 2.01
